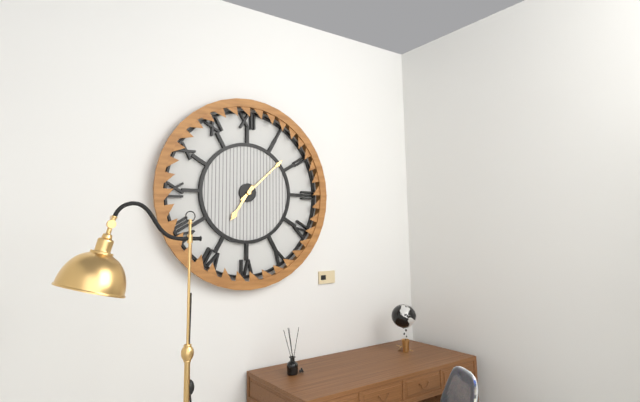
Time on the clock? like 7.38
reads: 7.08
